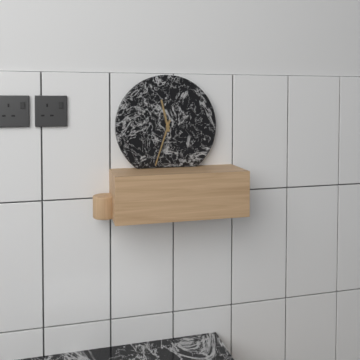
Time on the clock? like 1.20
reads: 11.33
